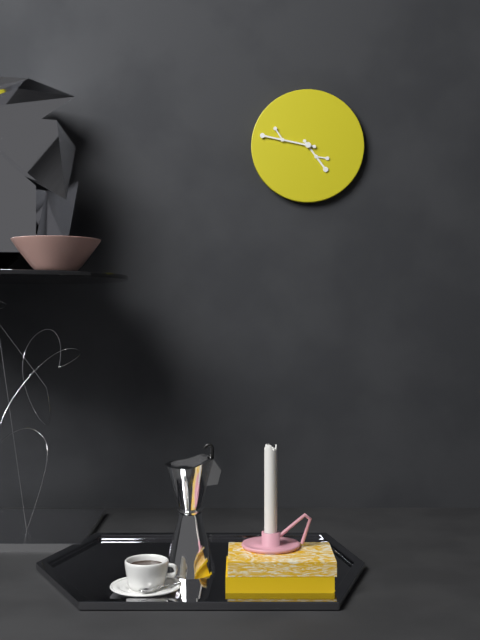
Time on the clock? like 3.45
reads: 4.47
